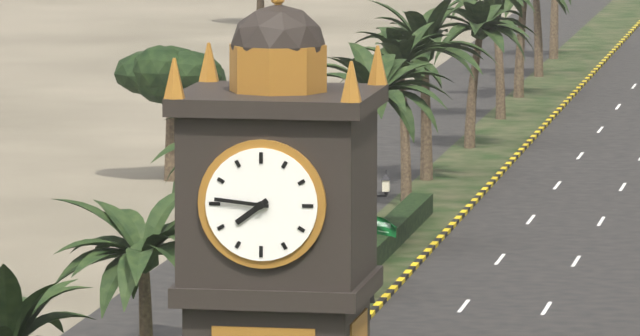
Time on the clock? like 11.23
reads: 7.46
